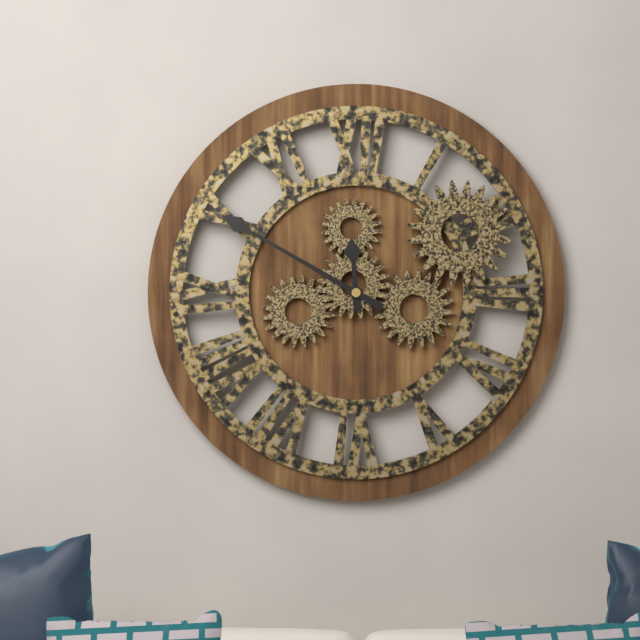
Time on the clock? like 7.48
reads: 11.50
